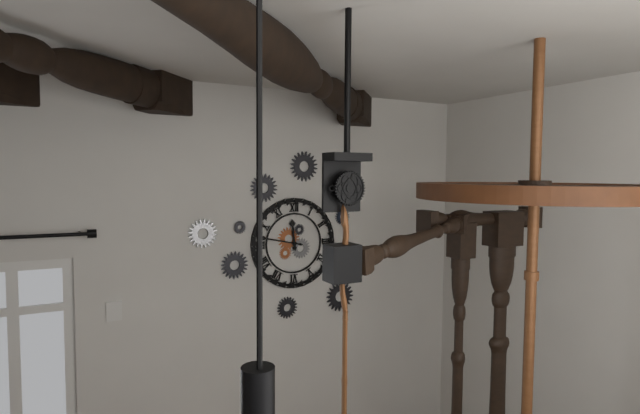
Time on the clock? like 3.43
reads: 11.47
